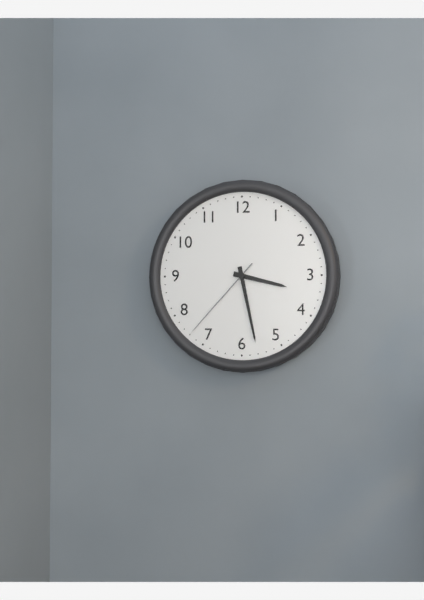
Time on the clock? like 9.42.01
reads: 3.28.37
